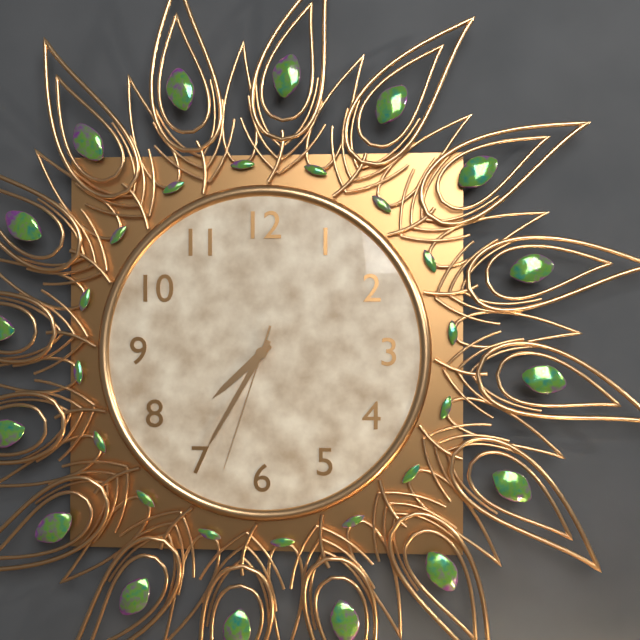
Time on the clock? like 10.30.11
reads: 7.35.33
